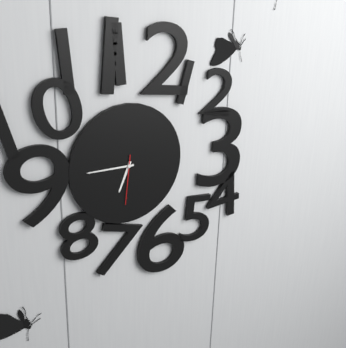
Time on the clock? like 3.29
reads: 6.45
